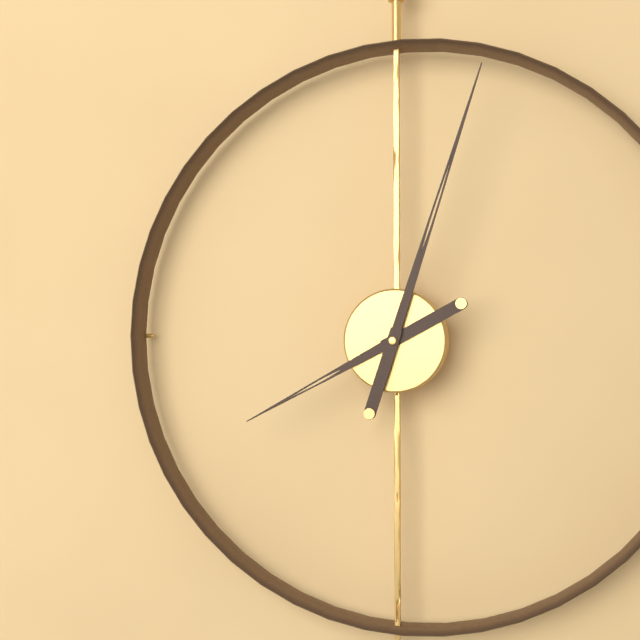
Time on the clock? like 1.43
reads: 8.03
